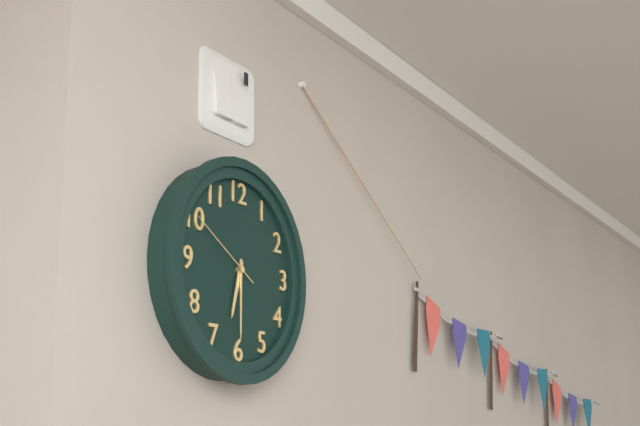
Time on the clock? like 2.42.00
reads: 6.30.50
